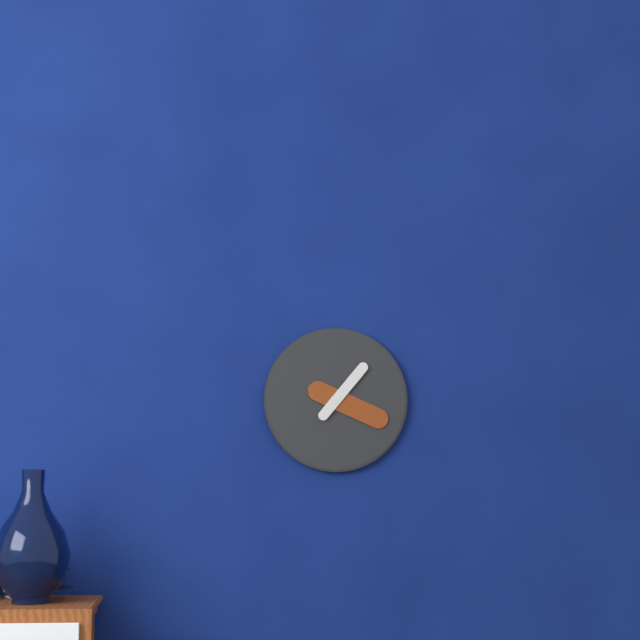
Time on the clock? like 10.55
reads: 1.19
